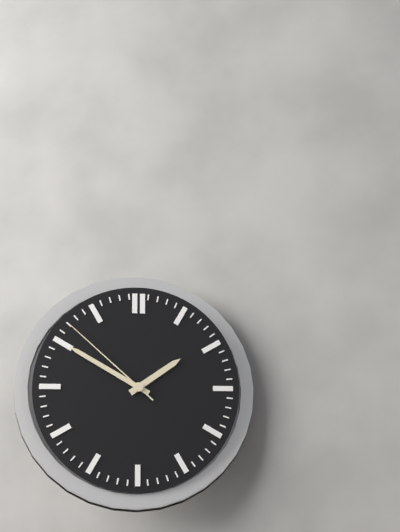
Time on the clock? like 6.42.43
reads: 1.50.52
